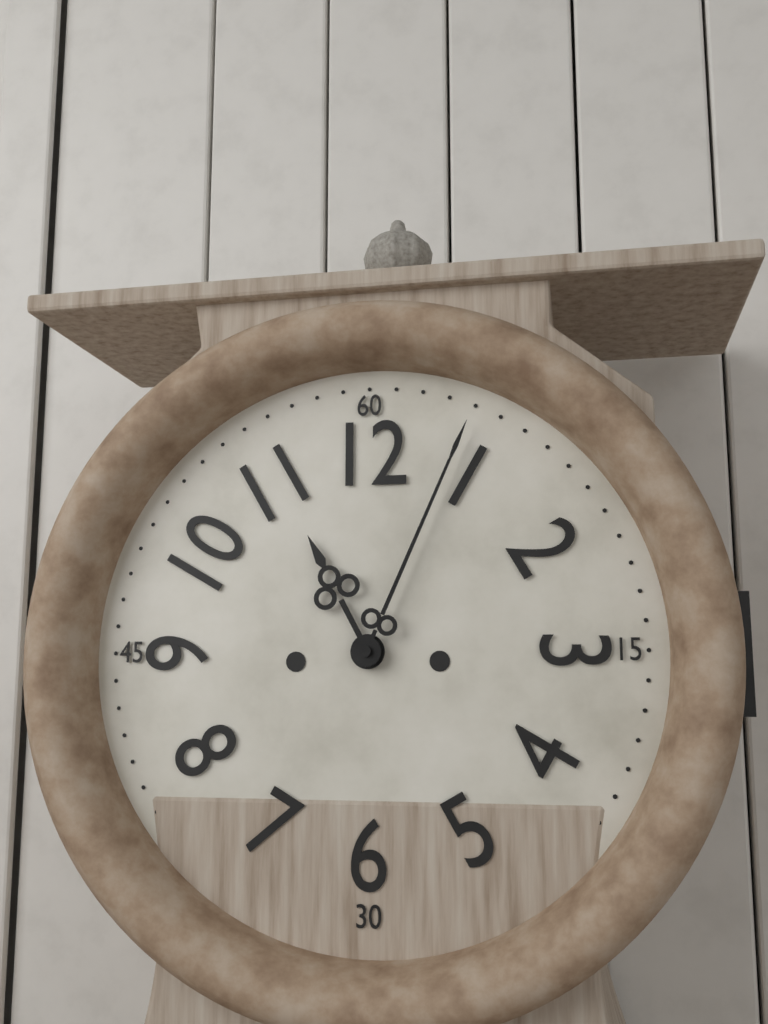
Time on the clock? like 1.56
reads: 11.04
